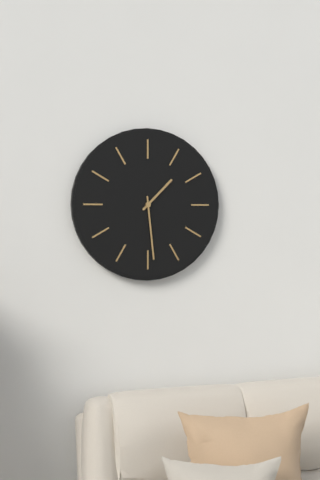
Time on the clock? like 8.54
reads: 1.29
